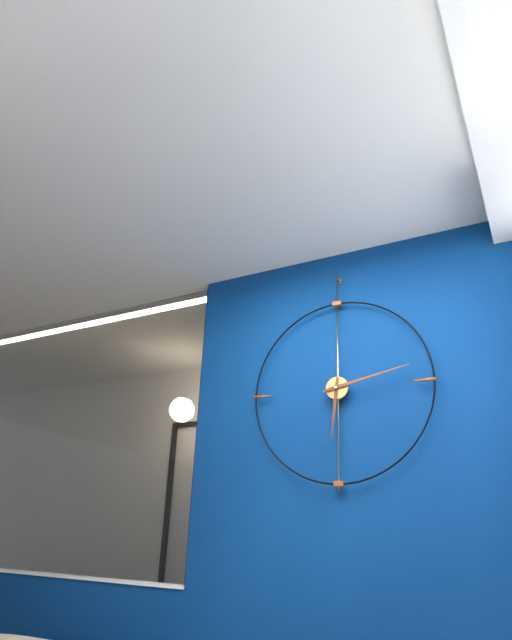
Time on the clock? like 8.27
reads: 6.13
